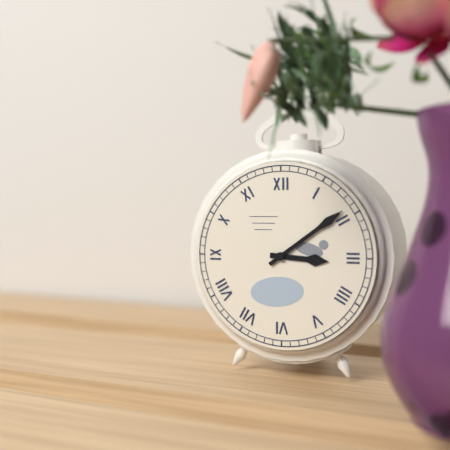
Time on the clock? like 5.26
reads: 3.09
